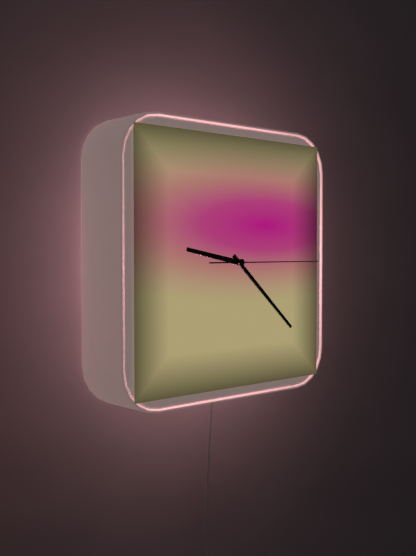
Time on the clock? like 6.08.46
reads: 9.22.15
